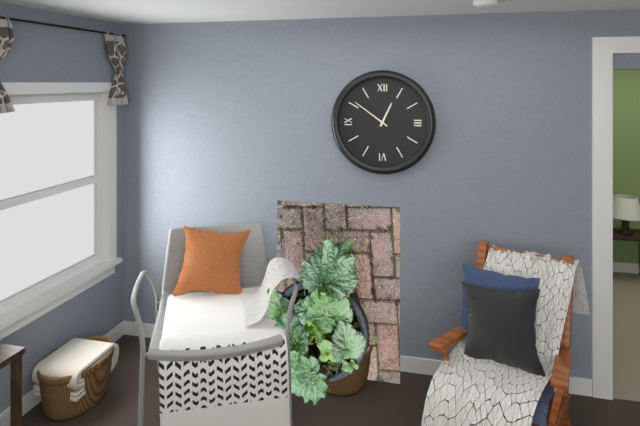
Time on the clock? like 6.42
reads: 12.51
